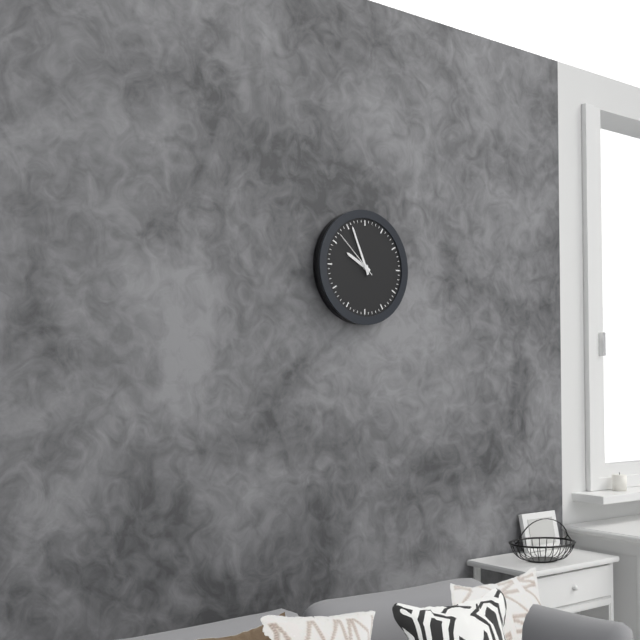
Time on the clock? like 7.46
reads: 9.56
